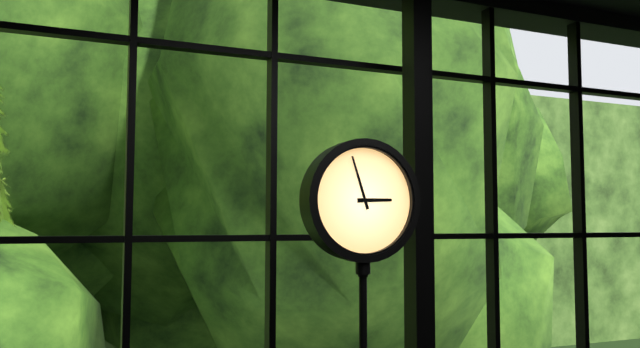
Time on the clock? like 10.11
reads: 2.57
